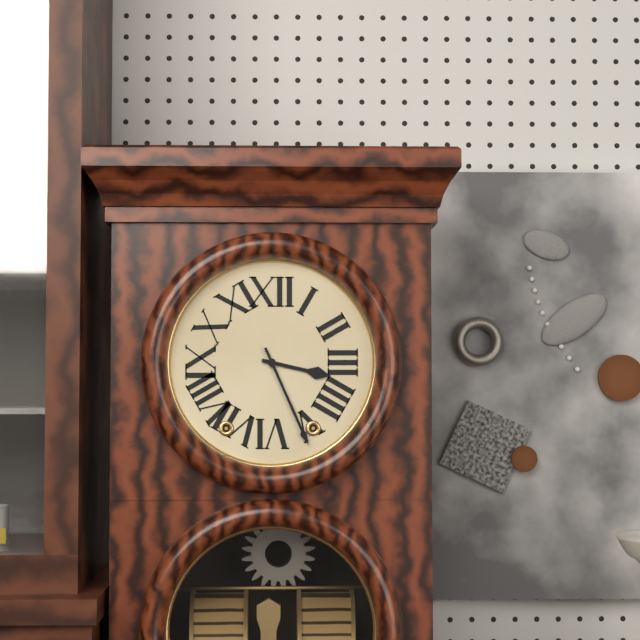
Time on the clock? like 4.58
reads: 3.26
